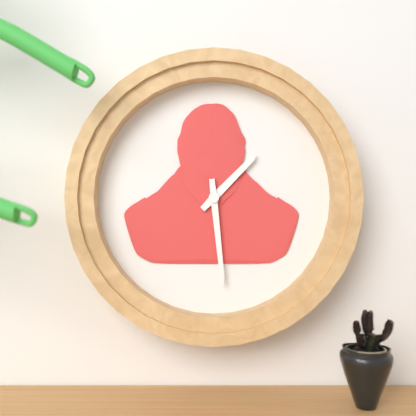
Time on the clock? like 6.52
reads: 1.29
